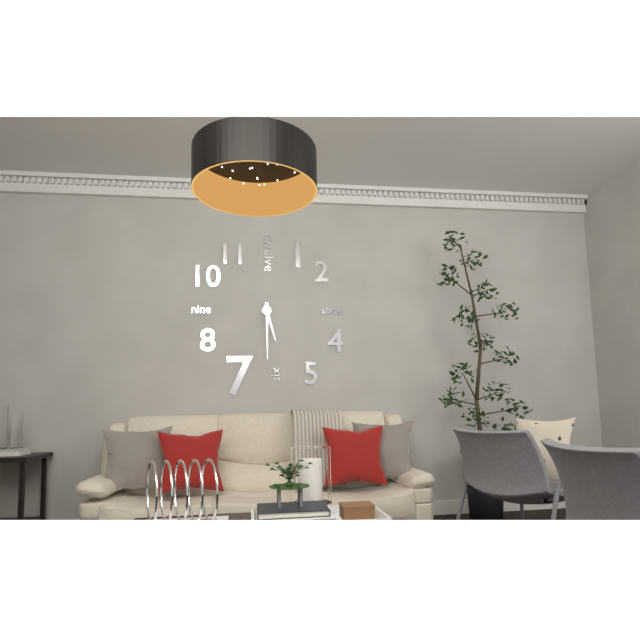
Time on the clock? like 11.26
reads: 5.30
